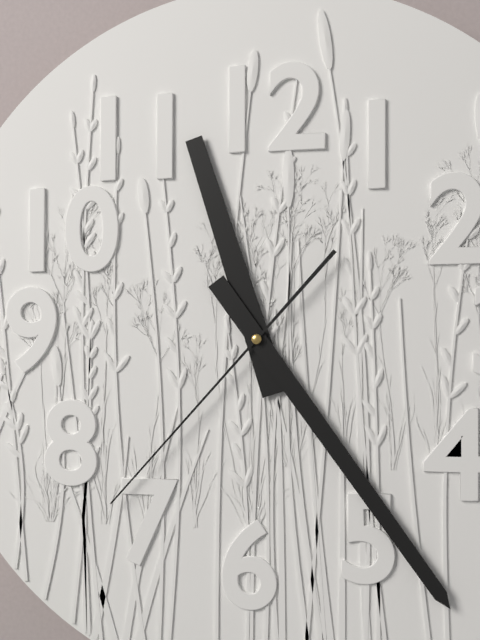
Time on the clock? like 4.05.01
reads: 11.24.37
